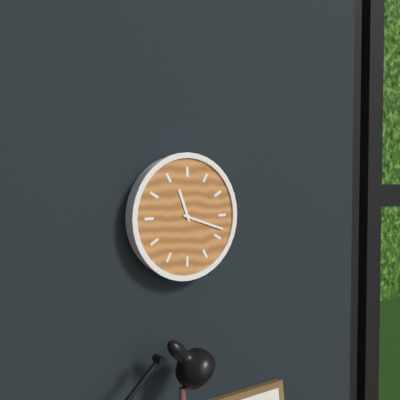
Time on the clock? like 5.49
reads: 11.18
